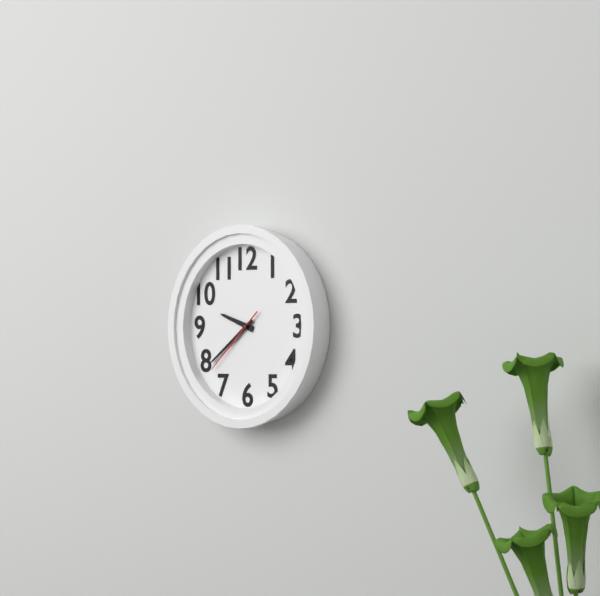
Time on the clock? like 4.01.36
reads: 9.39.38
